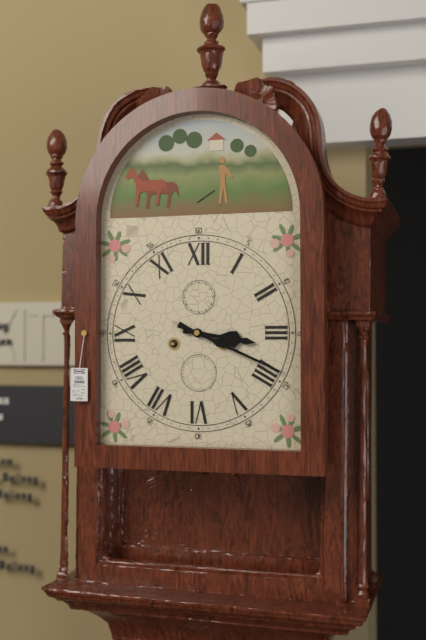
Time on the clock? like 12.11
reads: 3.19
